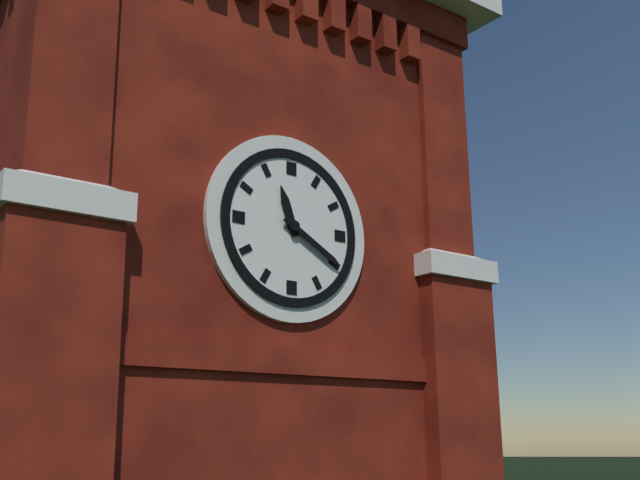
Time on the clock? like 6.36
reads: 11.20
